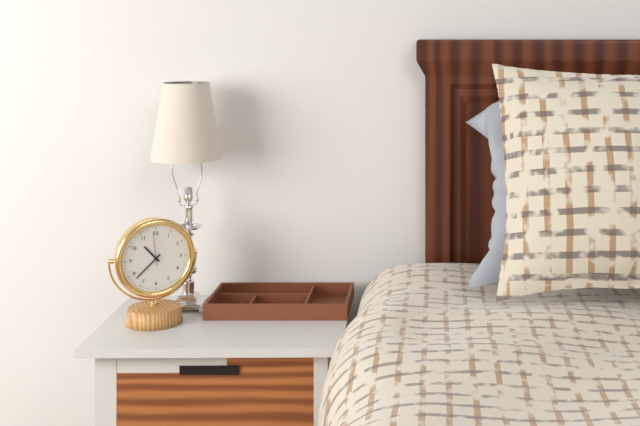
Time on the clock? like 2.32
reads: 10.38
